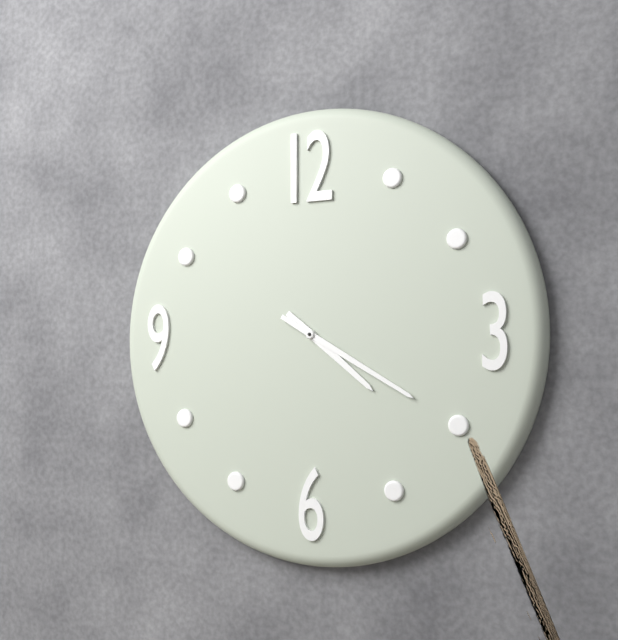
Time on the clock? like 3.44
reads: 4.20
